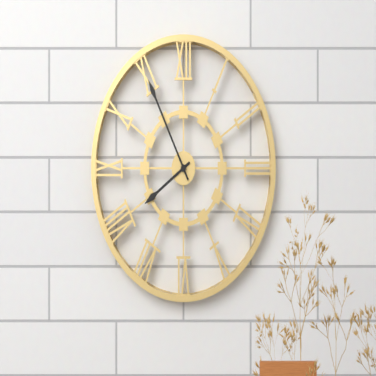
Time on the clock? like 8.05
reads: 7.55
